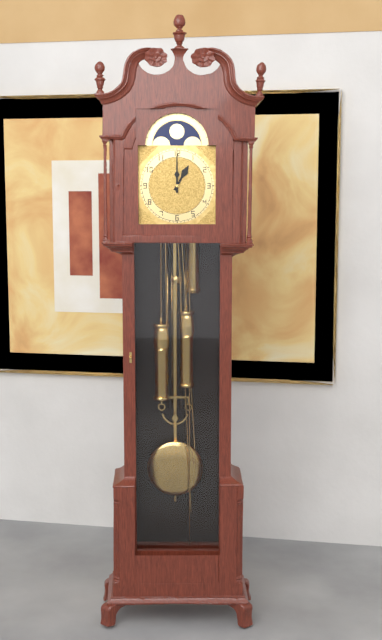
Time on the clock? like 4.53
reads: 1.00
